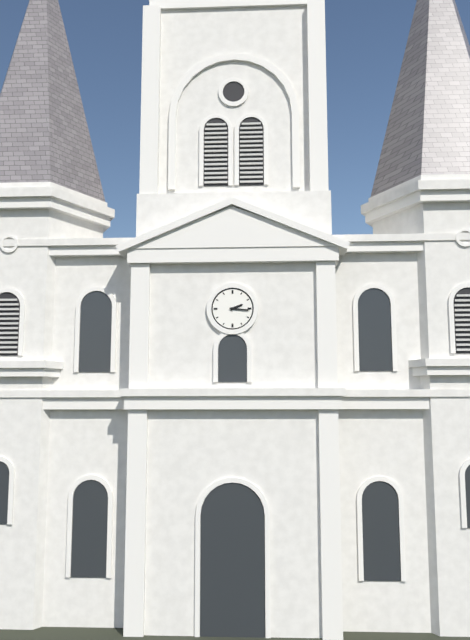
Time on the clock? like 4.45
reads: 2.16
